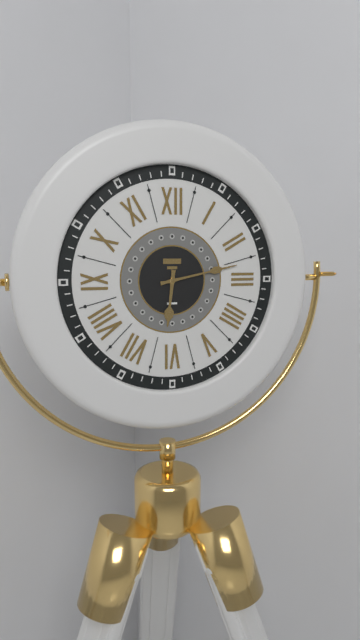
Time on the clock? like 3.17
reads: 6.13
